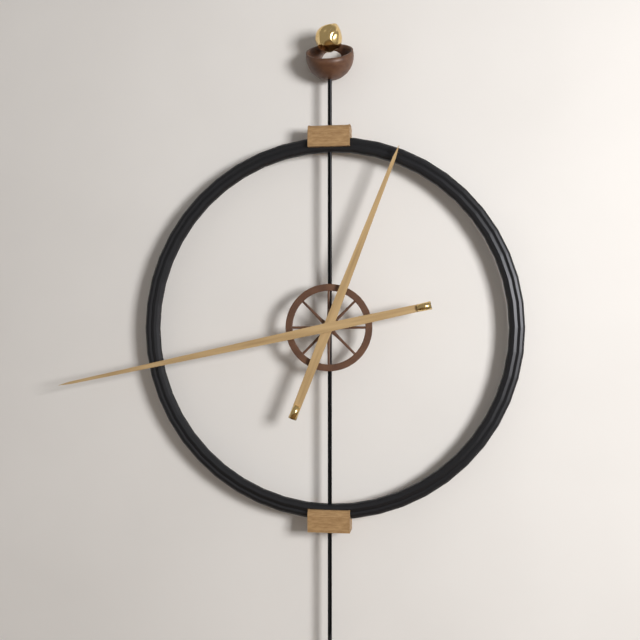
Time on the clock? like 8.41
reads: 12.43
